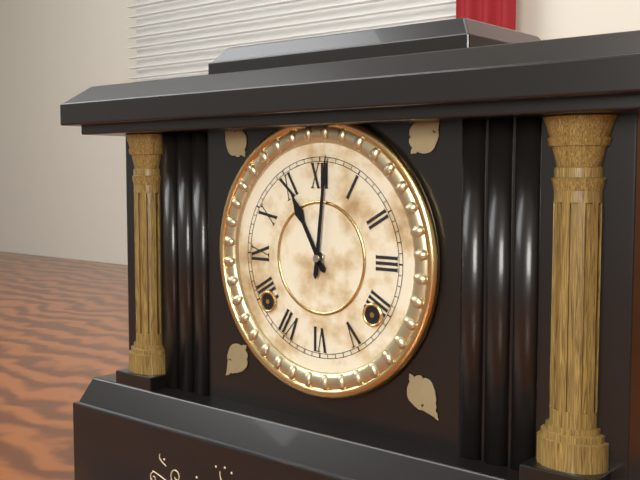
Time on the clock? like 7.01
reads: 11.01
